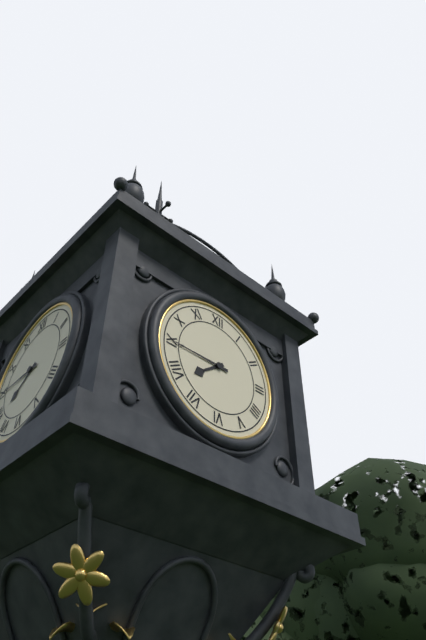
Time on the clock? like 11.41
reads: 7.45
